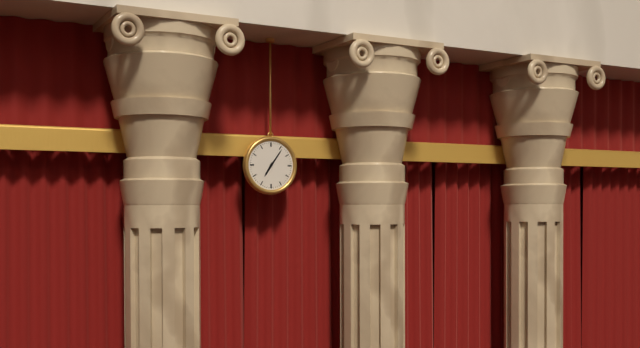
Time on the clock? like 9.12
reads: 7.06
